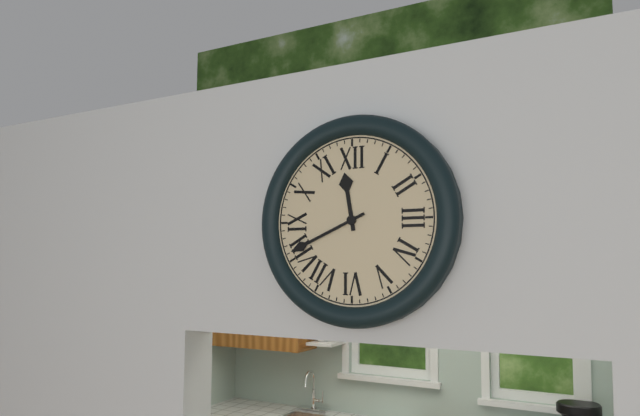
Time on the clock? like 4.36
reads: 11.41
